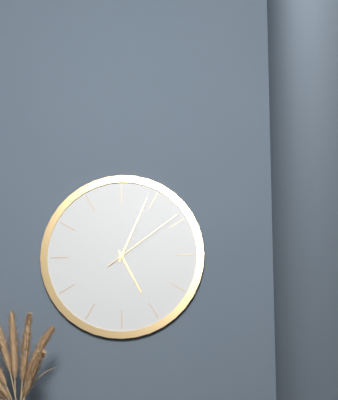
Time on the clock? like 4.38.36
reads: 5.04.09
